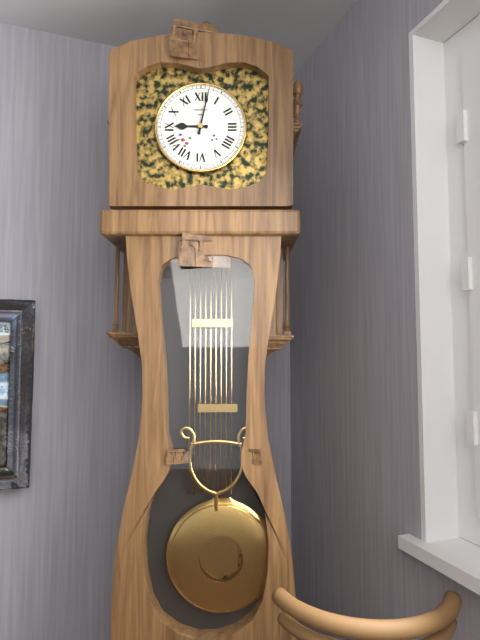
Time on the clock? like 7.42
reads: 9.02
